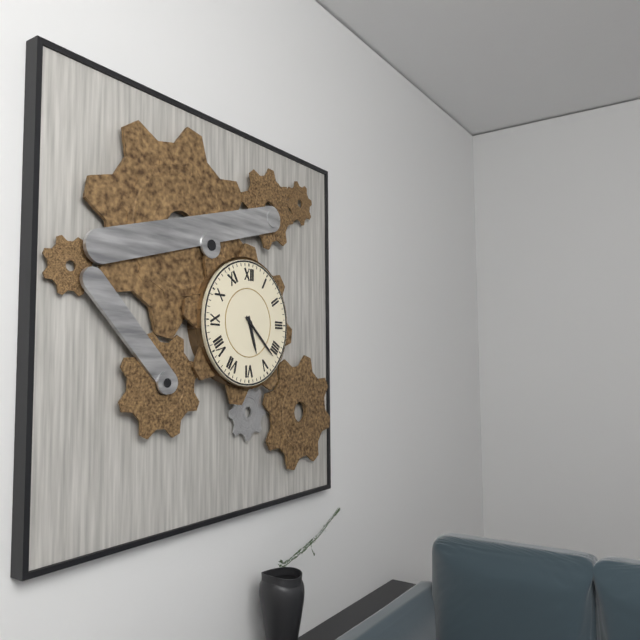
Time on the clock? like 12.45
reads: 5.22
